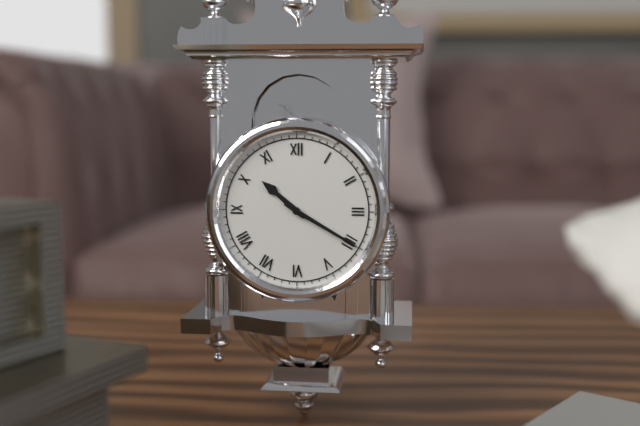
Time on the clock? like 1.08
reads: 10.20
